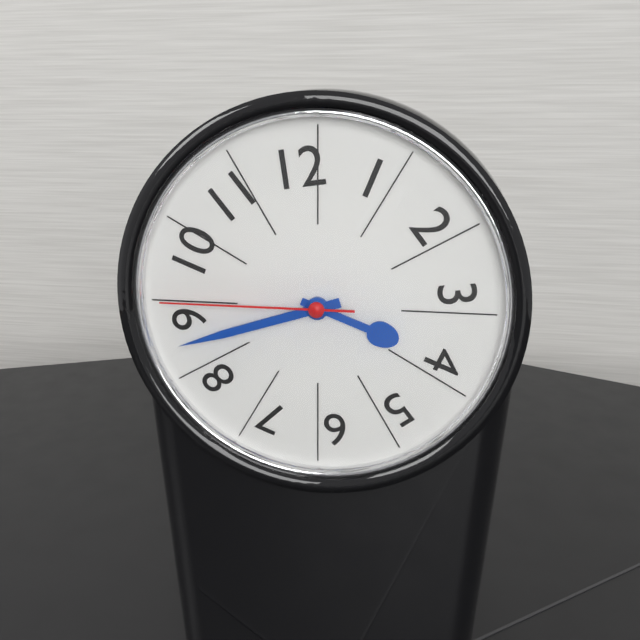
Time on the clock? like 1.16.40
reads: 3.42.45
